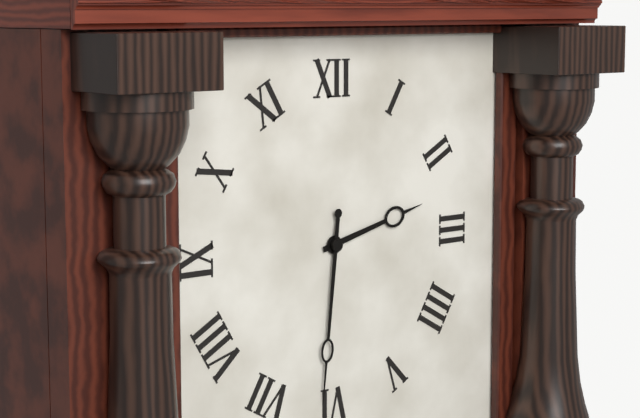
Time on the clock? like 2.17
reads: 2.31
